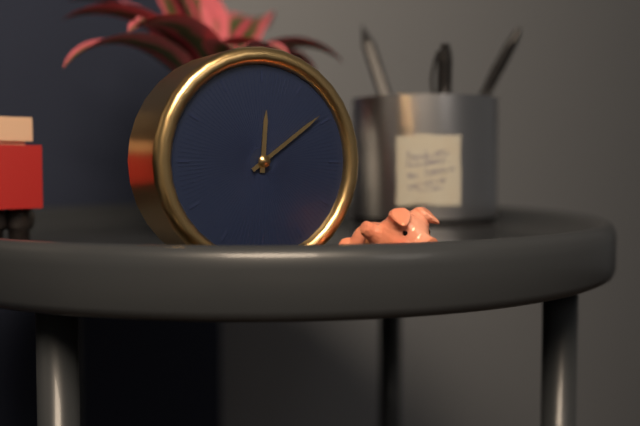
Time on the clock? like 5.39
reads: 12.09
